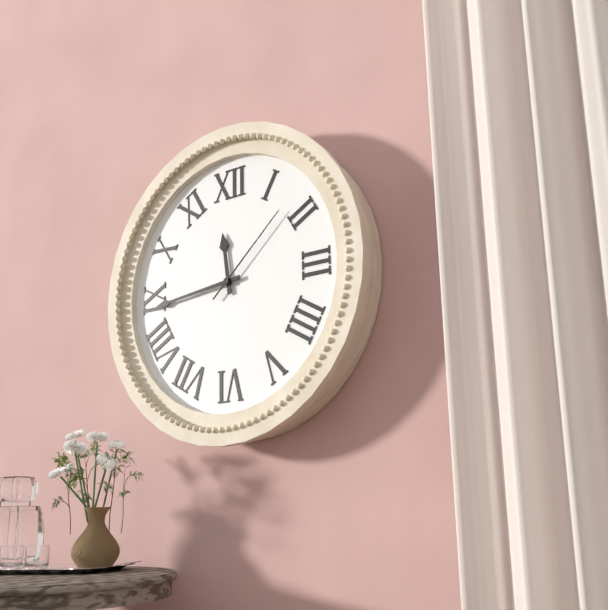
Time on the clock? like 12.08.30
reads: 11.44.08
